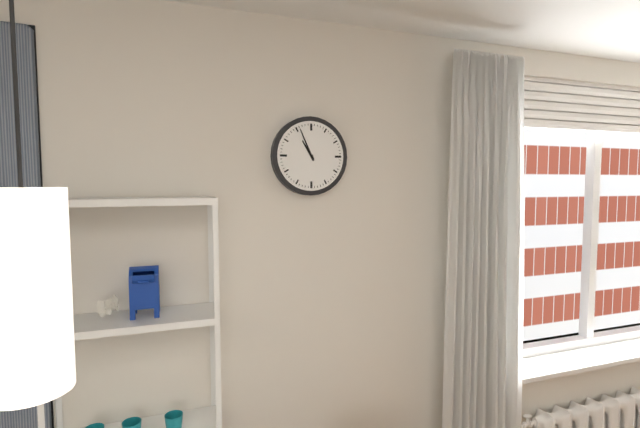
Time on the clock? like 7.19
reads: 10.56
